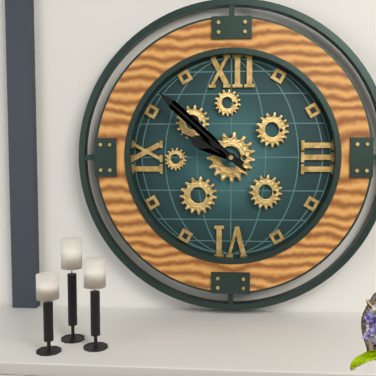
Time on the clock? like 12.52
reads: 9.52
